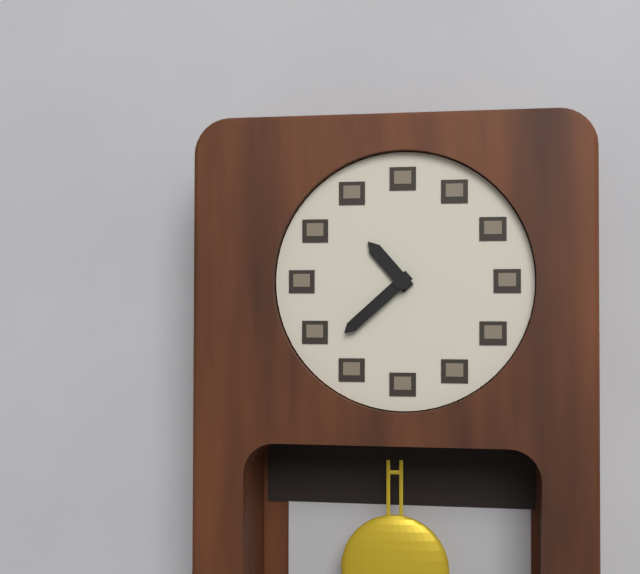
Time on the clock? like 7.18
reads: 10.38
